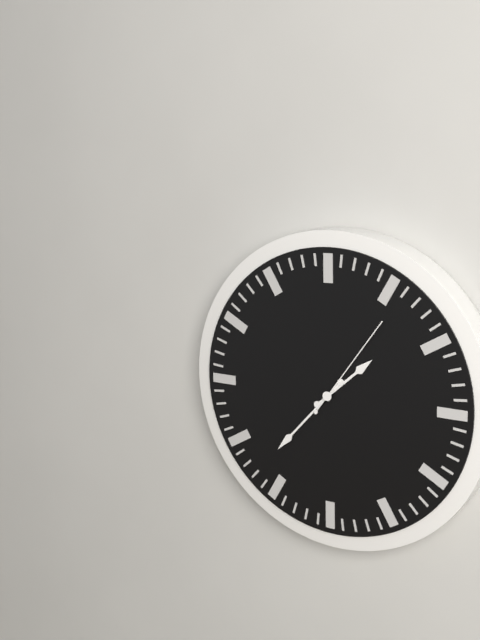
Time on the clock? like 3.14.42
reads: 1.37.06
